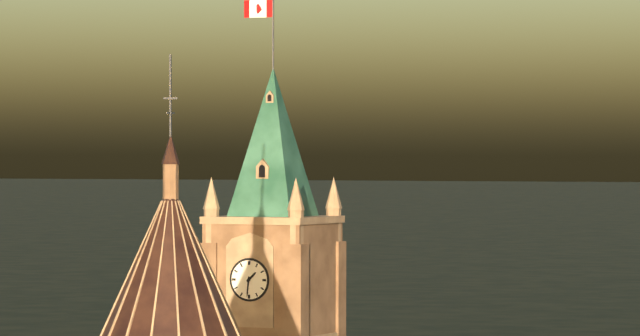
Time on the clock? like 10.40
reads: 1.31
